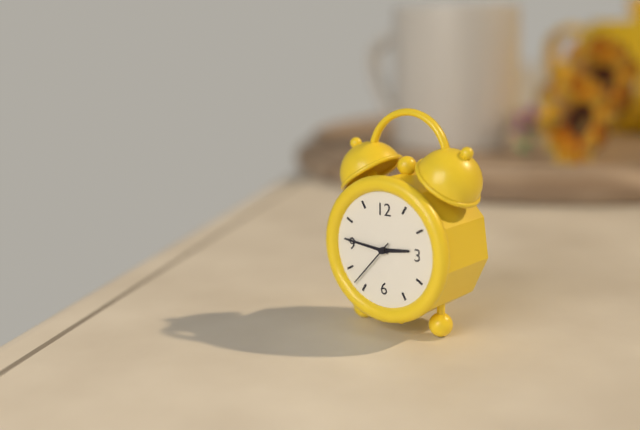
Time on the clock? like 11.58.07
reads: 2.46.37
